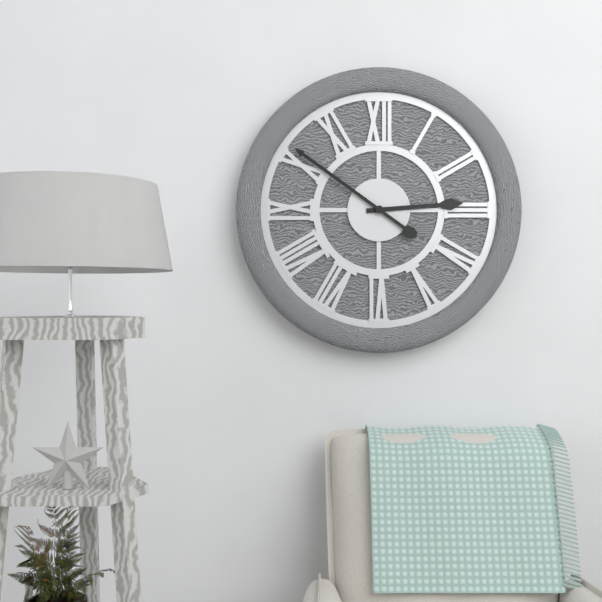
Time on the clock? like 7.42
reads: 2.51
